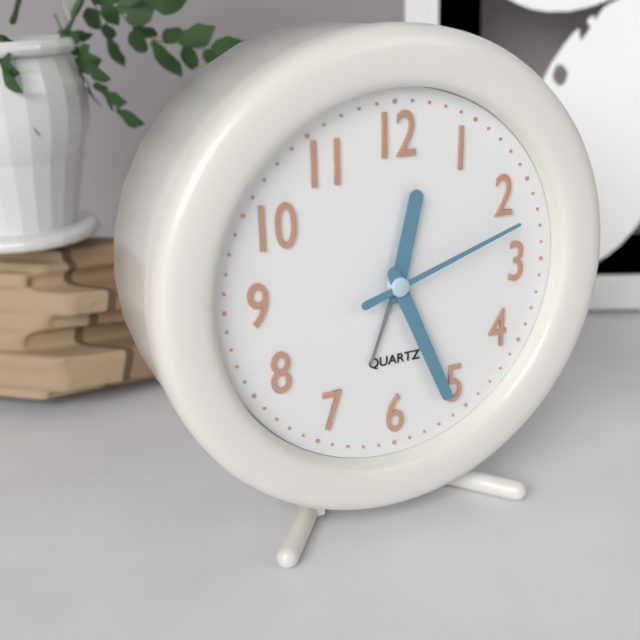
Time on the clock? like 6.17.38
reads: 12.26.12
